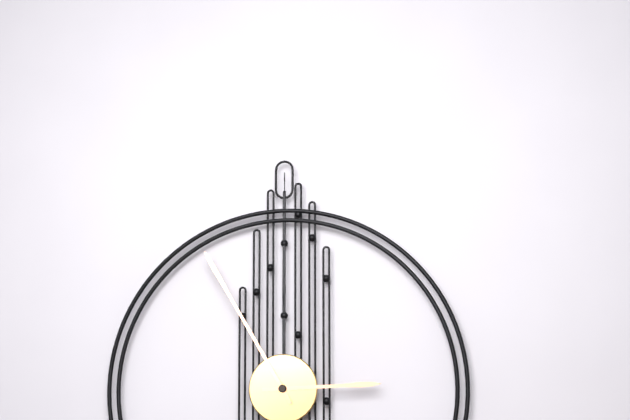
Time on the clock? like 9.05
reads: 2.55
